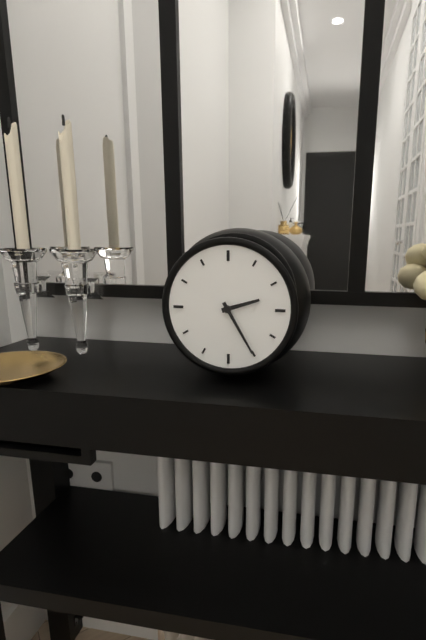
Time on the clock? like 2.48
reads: 2.25
